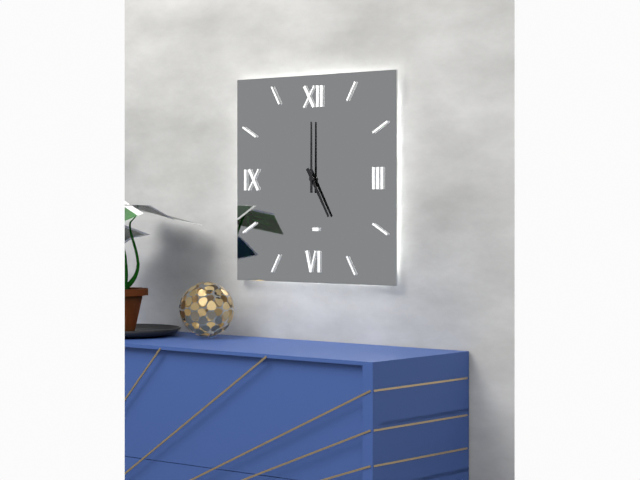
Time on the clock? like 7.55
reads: 5.00
